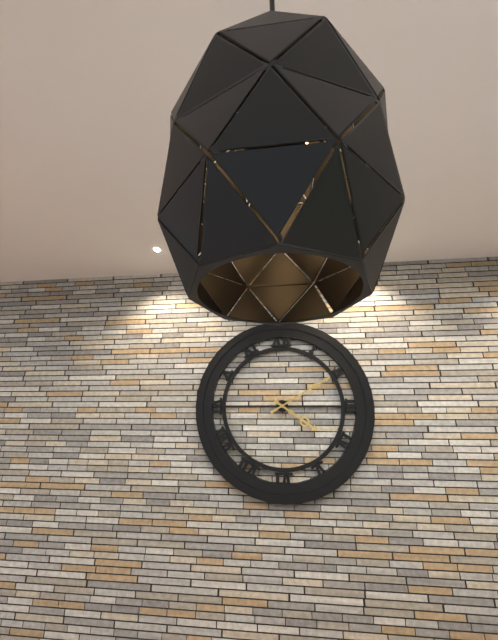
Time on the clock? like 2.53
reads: 4.10
